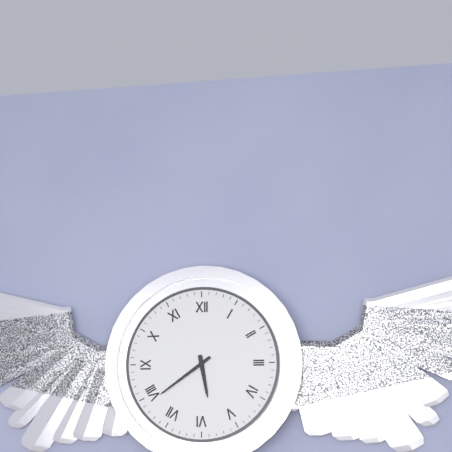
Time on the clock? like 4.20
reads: 5.39
